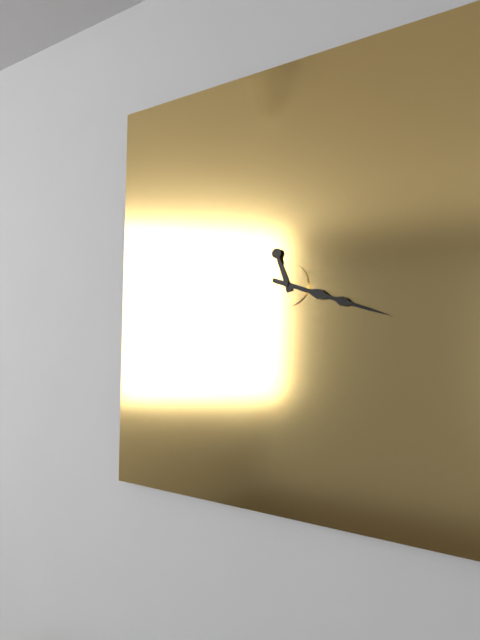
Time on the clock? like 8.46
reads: 11.18
